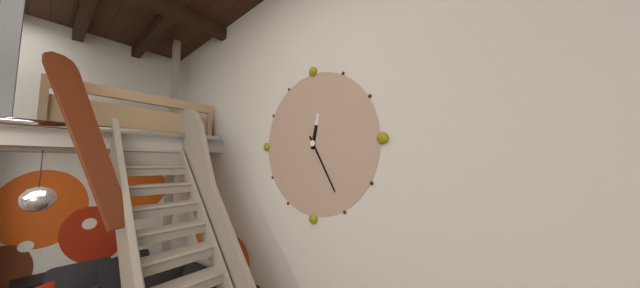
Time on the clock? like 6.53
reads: 12.25
